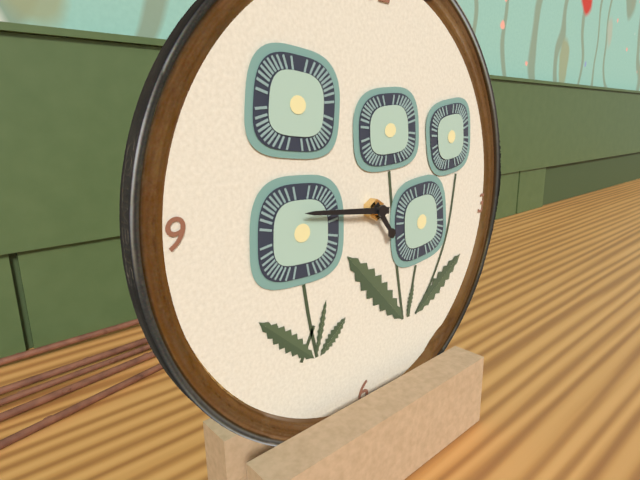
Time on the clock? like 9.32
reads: 4.46
